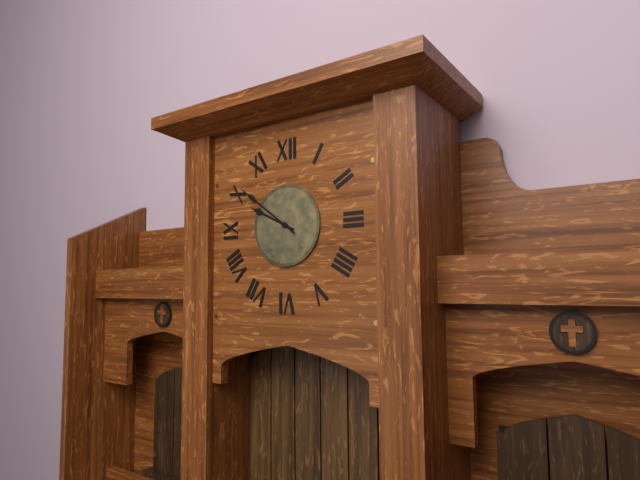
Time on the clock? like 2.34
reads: 9.51
